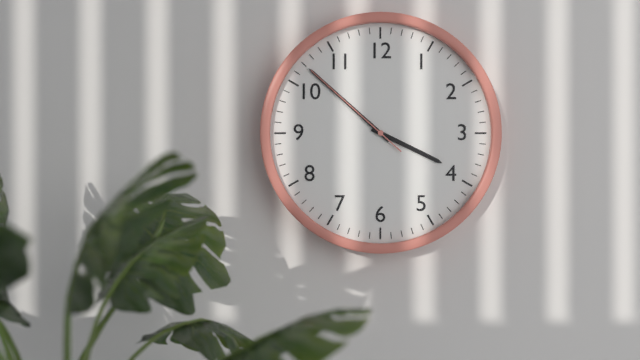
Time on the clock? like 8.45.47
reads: 3.52.52
